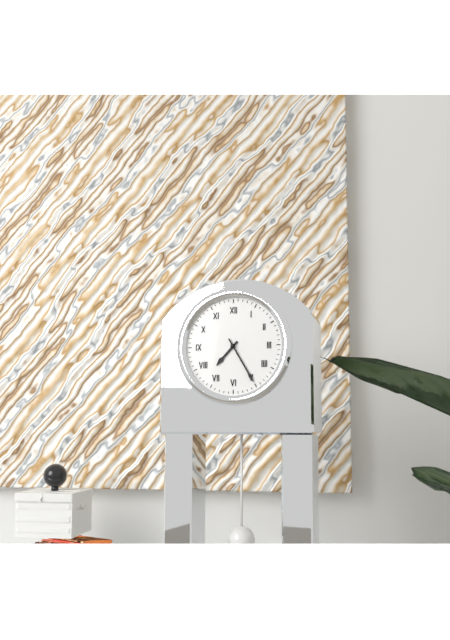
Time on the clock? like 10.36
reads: 7.25
